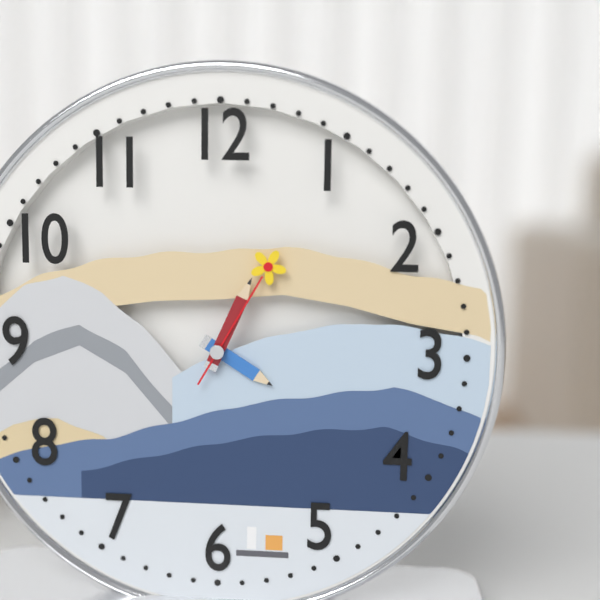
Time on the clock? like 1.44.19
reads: 4.04.05
